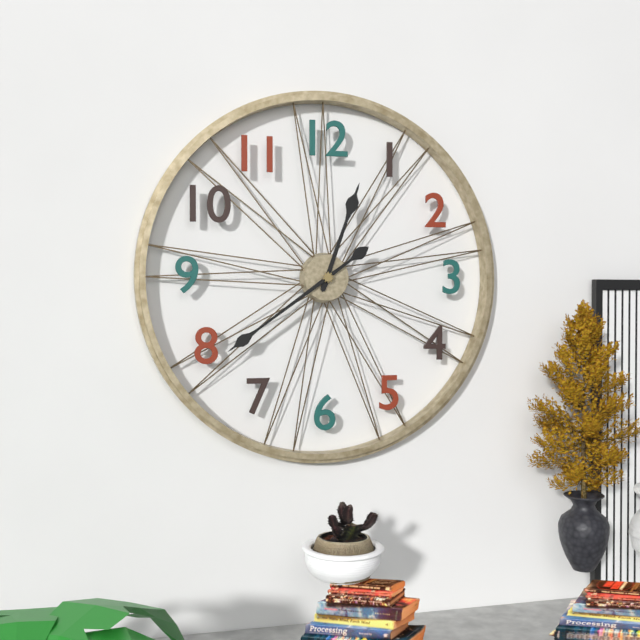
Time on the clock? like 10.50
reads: 12.39
